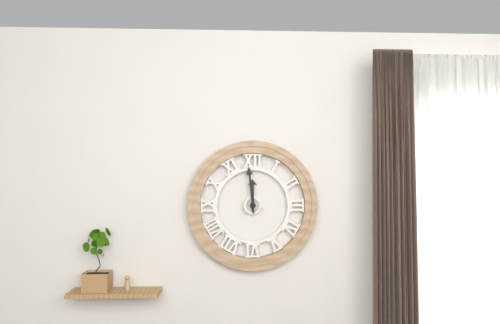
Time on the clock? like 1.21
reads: 11.59
